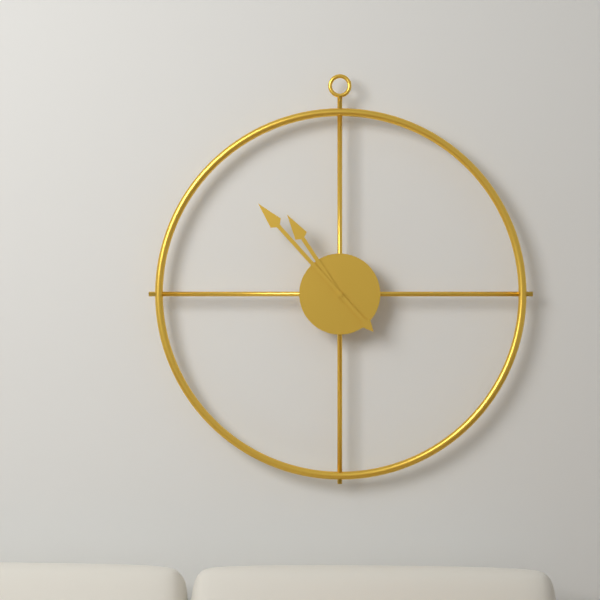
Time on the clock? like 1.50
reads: 10.53
